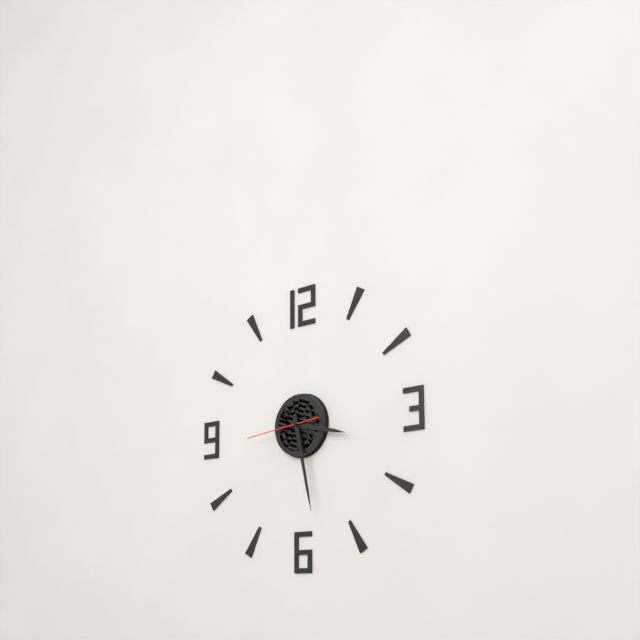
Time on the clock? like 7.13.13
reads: 3.28.44
